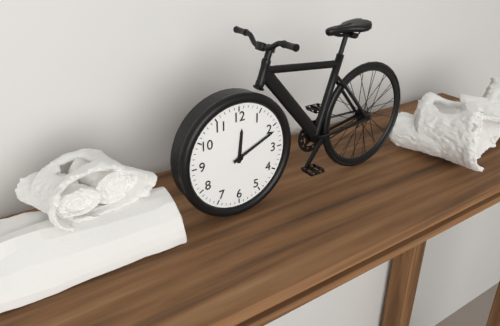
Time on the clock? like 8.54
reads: 12.11
